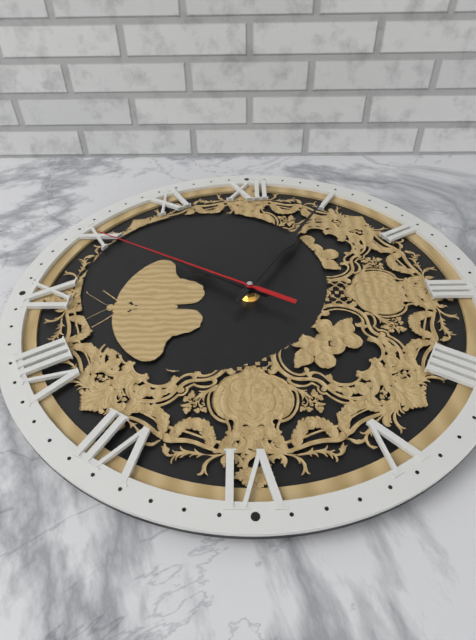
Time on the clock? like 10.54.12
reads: 10.05.50
